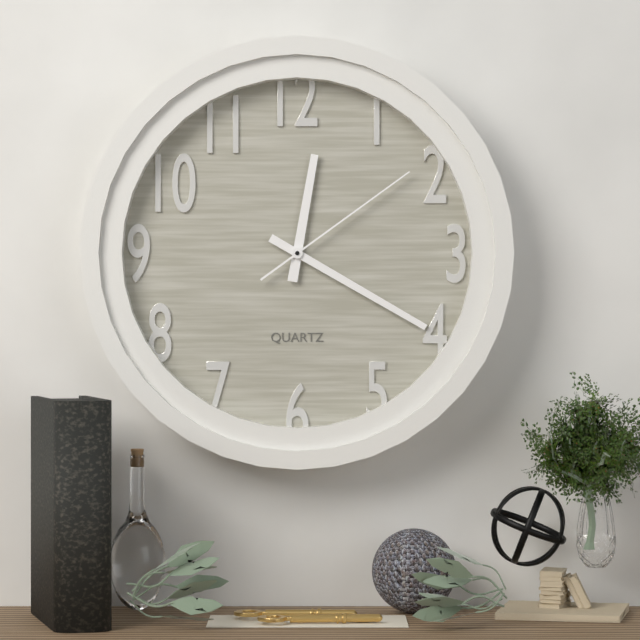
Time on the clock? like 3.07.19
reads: 12.20.09
